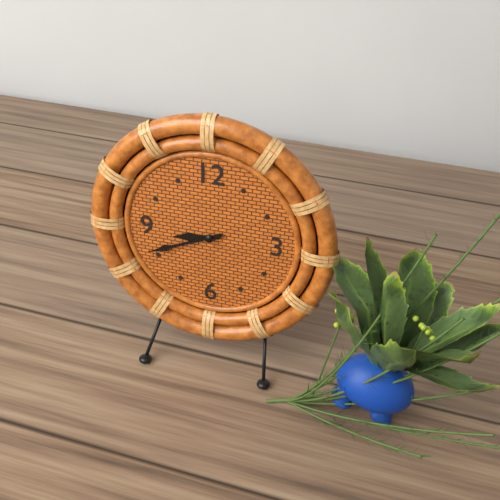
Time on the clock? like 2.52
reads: 8.41
